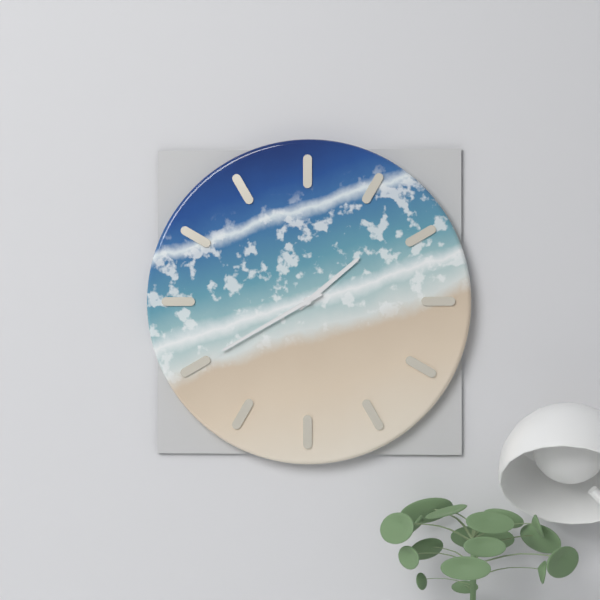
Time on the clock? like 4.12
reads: 1.40
